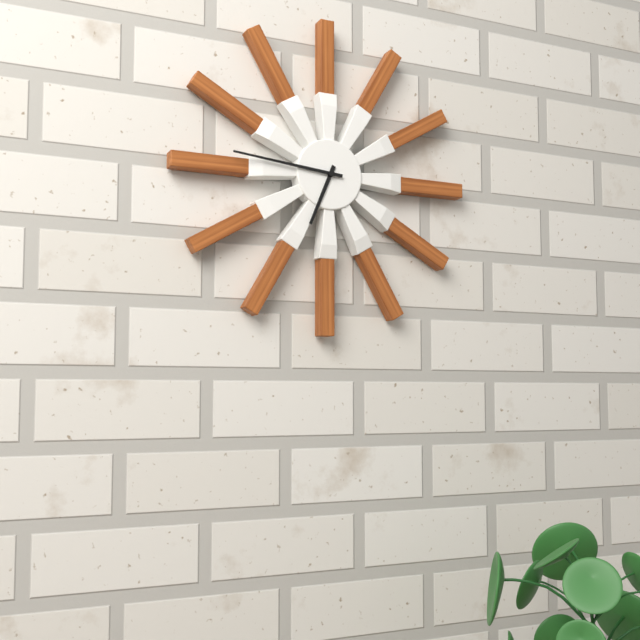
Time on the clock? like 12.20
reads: 6.46
